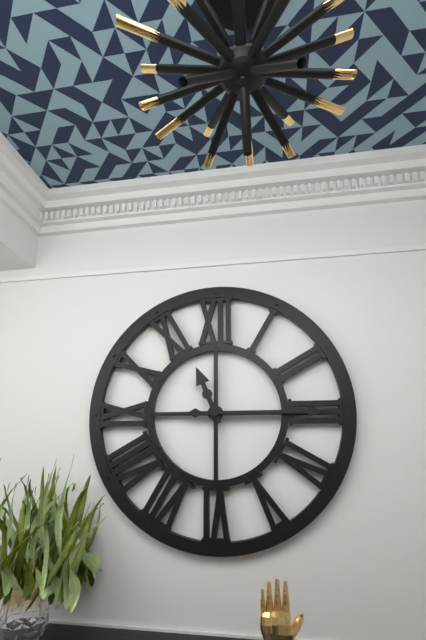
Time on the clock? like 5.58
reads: 11.15
